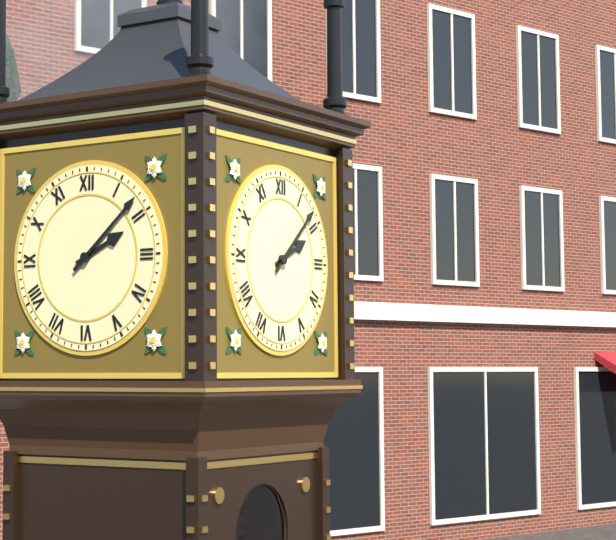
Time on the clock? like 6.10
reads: 2.08
